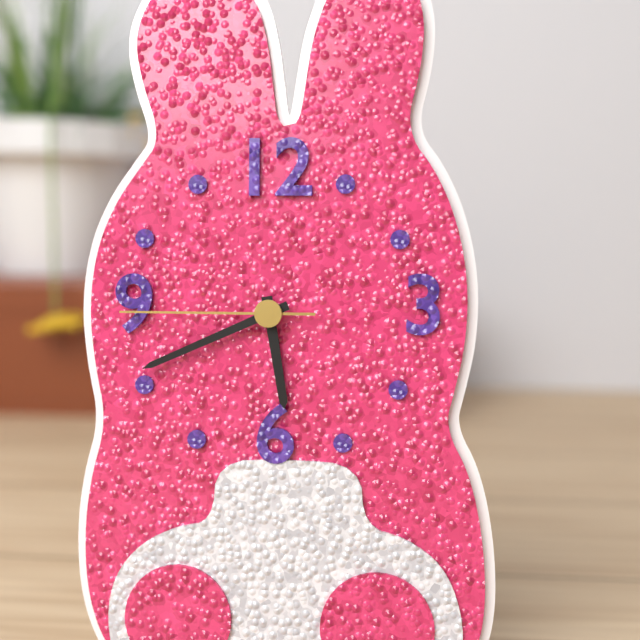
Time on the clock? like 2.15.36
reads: 5.41.45
